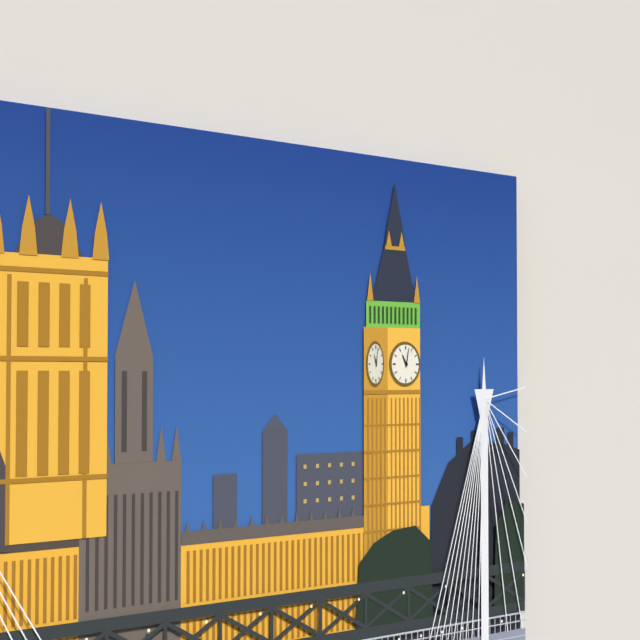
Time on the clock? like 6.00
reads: 11.02
